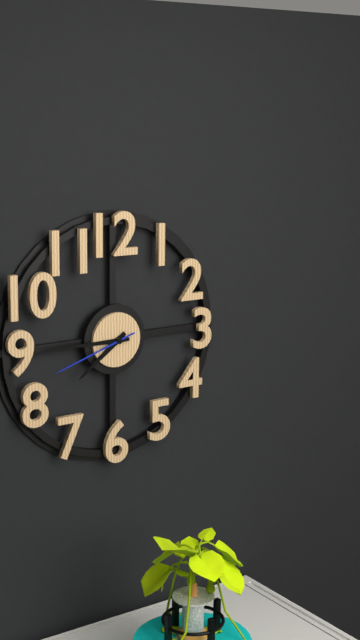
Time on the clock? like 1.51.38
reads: 7.45.42
